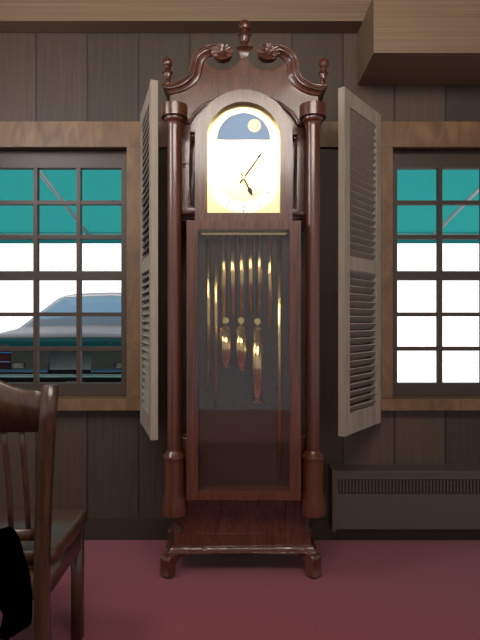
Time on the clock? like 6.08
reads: 5.06
